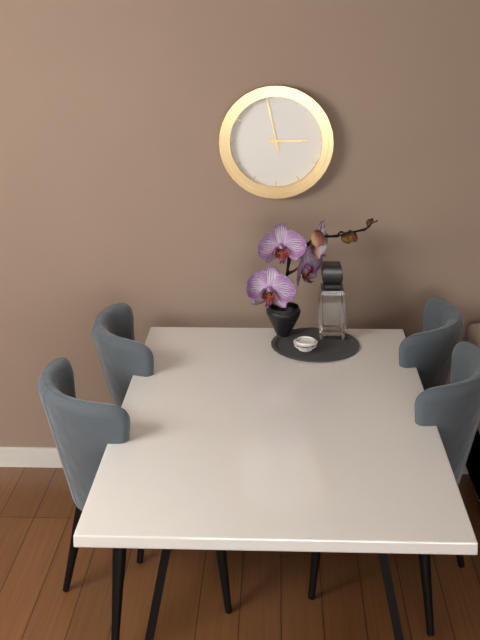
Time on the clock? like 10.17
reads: 2.58
